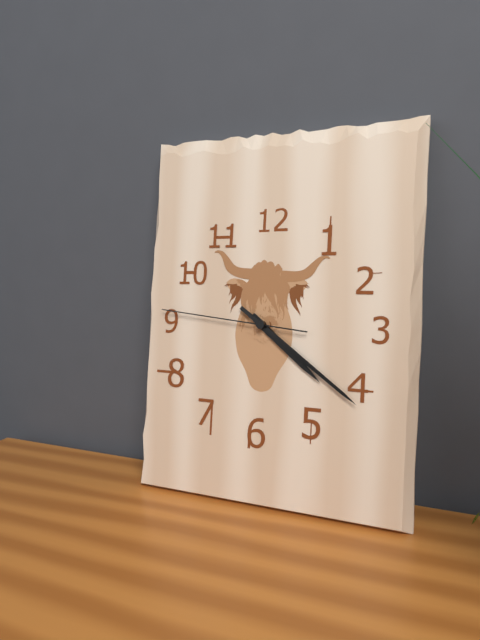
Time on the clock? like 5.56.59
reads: 4.21.46
